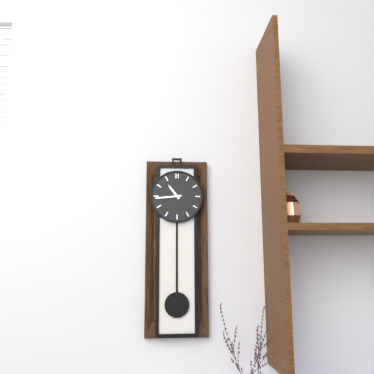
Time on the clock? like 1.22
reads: 10.44
